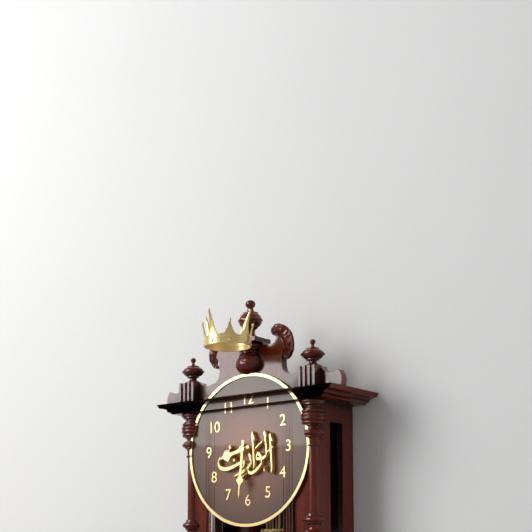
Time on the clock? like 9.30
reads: 8.31
